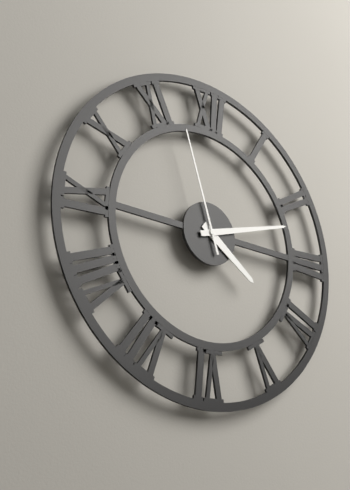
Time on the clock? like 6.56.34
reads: 4.12.57
